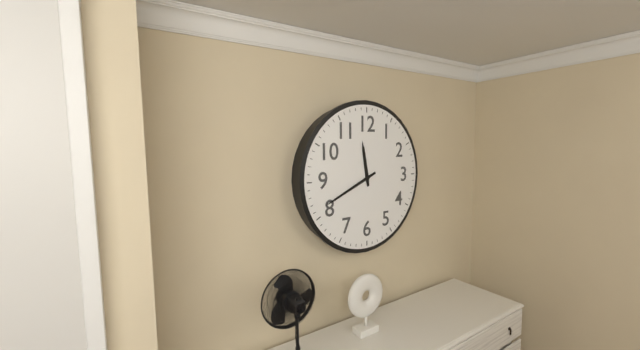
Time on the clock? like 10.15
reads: 11.41
